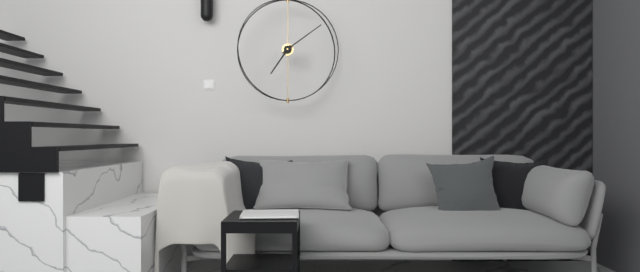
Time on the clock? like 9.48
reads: 7.09
